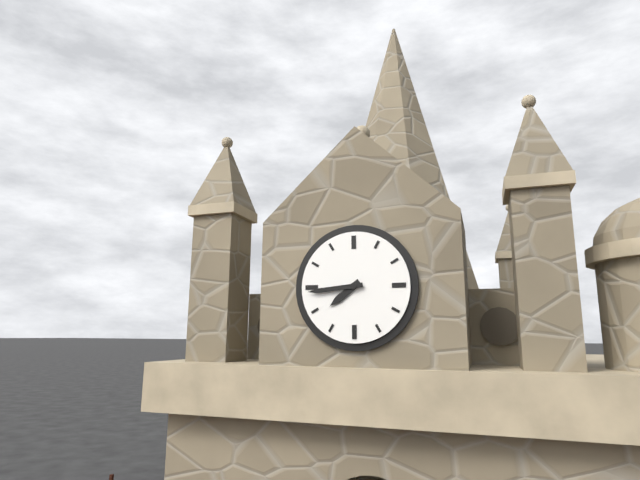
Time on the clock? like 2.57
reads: 7.44
